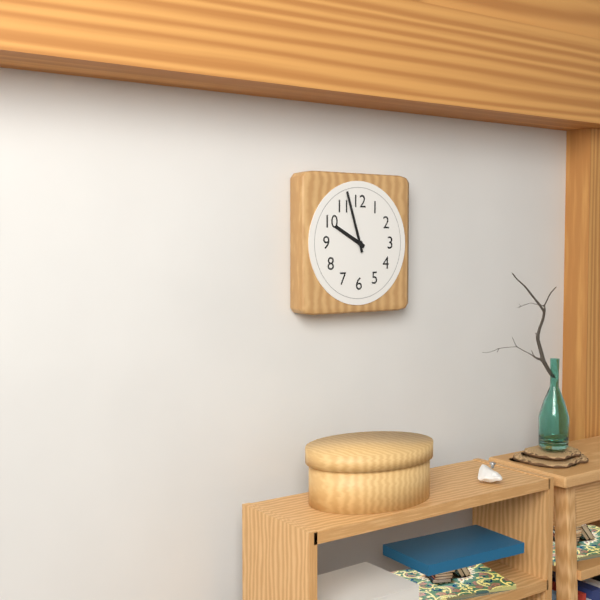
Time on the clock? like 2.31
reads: 9.57
